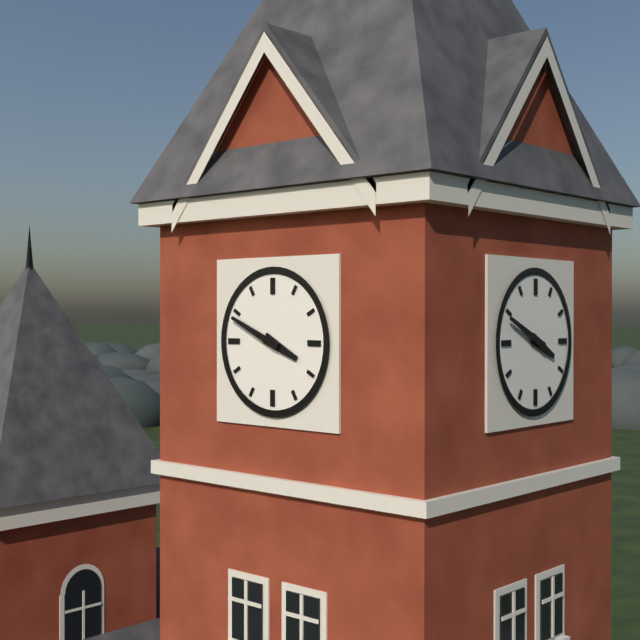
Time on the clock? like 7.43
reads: 3.49
